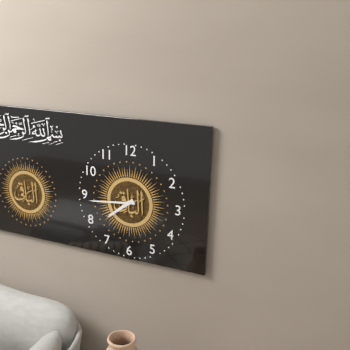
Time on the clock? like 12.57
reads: 7.44
